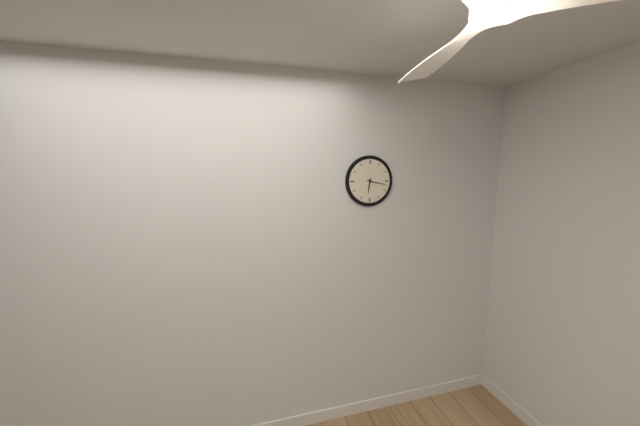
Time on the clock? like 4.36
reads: 6.17
